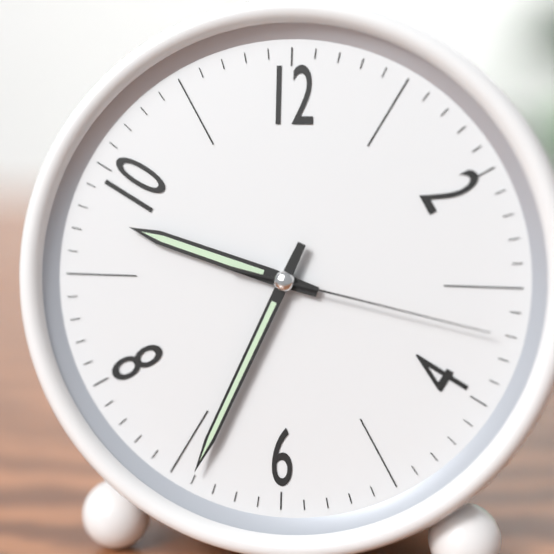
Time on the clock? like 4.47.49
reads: 9.34.17
